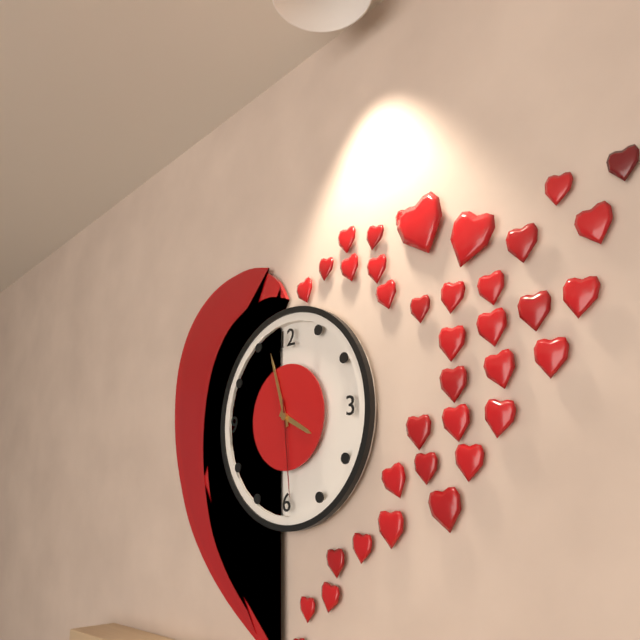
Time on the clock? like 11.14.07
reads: 3.57.29
